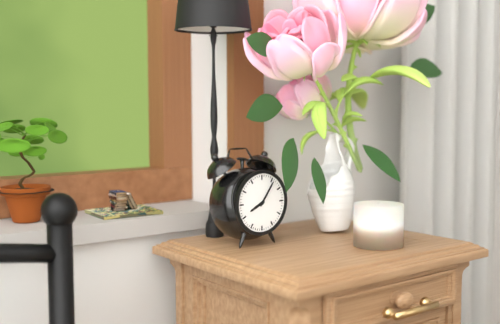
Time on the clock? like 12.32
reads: 8.06
